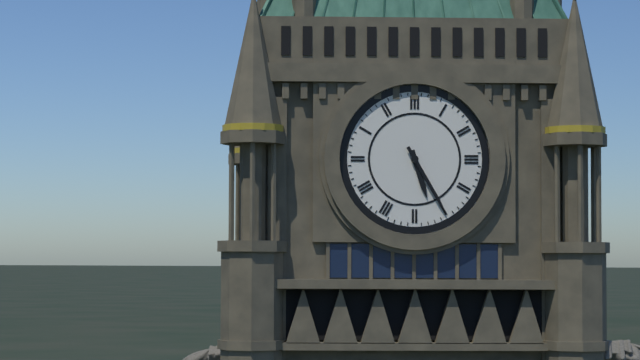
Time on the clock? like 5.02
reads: 5.25
